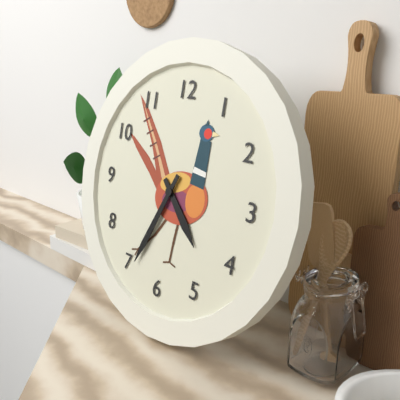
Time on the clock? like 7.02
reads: 4.34
